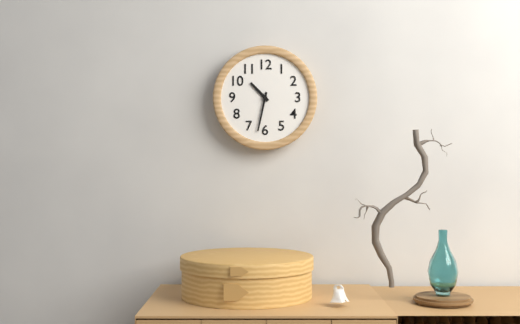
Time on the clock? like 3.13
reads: 10.32
